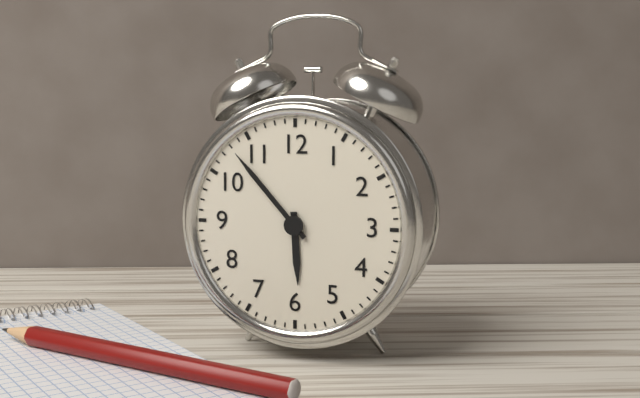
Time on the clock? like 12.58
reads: 5.53
